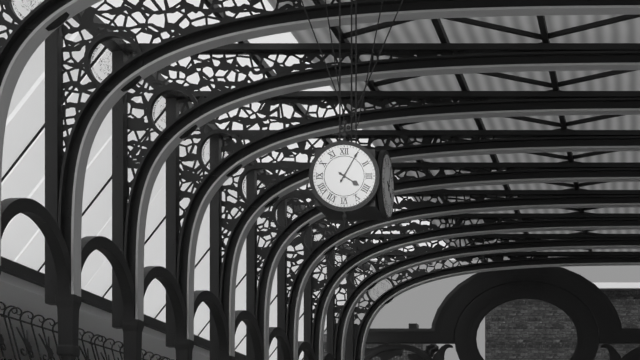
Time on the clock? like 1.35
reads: 4.05
